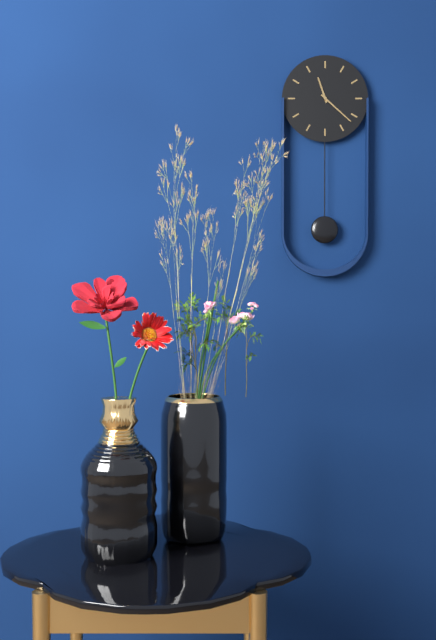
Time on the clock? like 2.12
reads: 11.22
